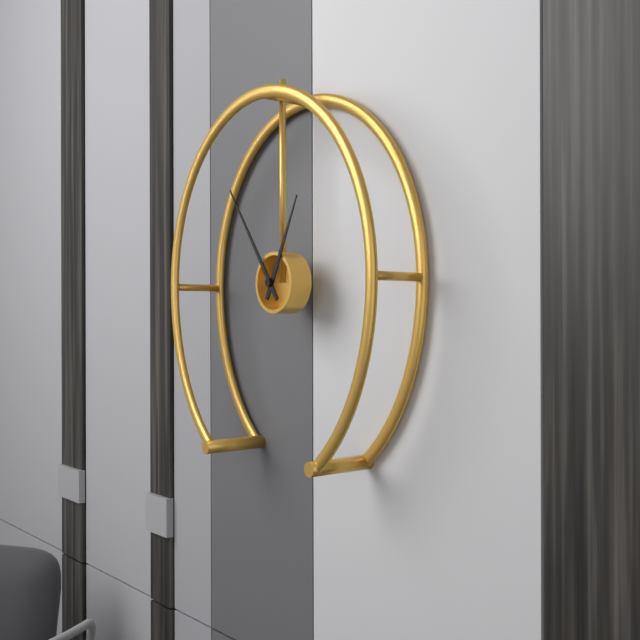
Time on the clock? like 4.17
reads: 12.54
